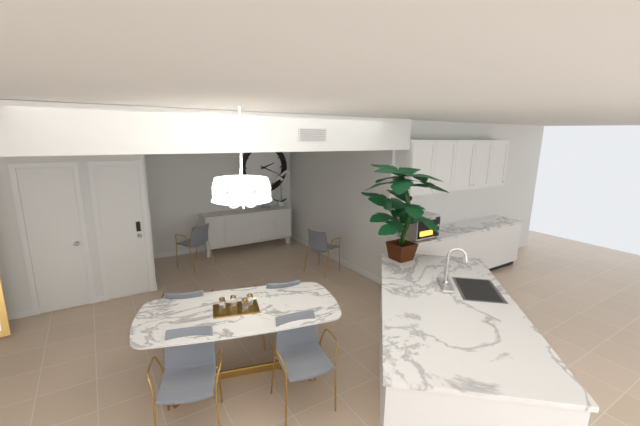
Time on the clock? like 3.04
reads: 2.19
